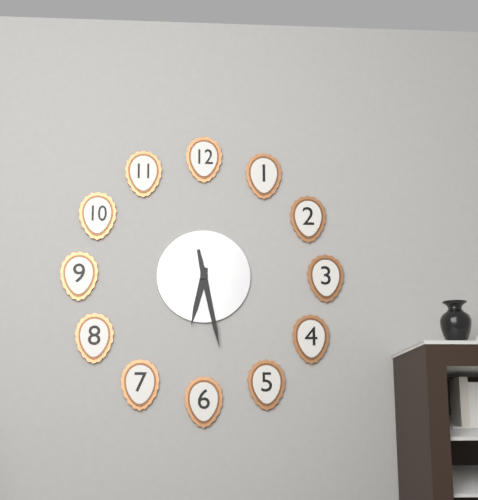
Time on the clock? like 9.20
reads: 6.28
